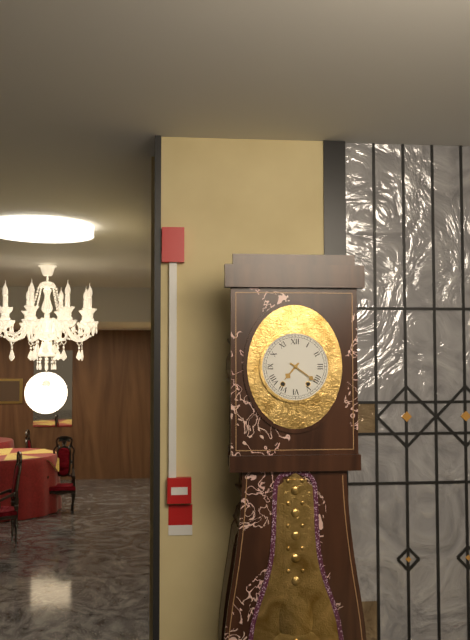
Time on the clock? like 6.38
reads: 7.21
